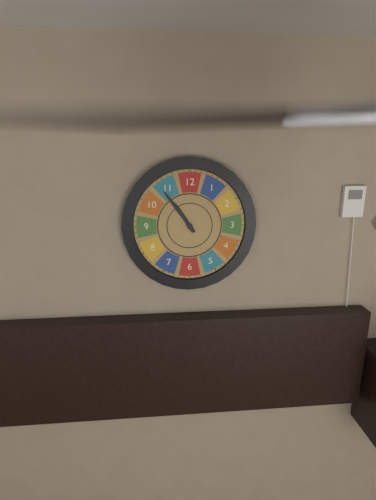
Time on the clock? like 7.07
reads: 10.54
